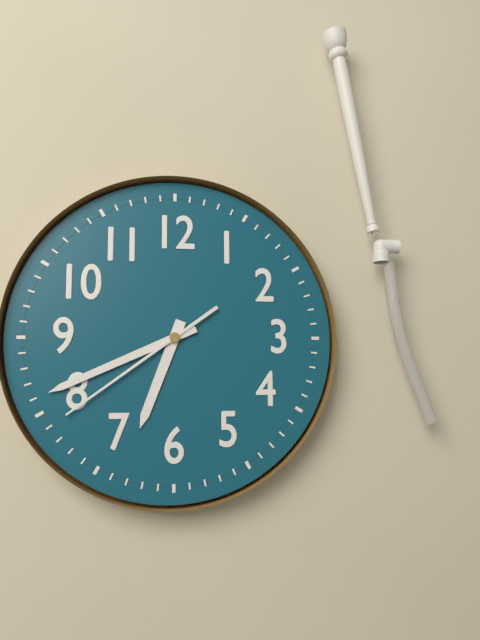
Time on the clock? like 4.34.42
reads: 6.41.39
